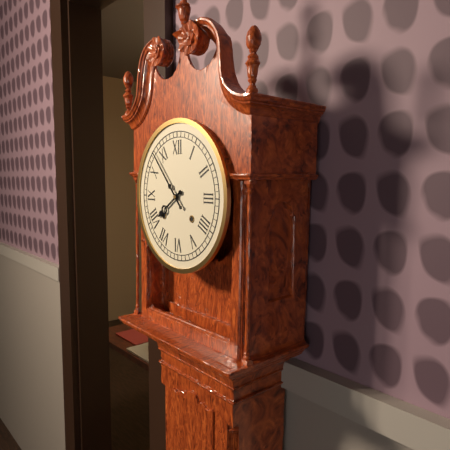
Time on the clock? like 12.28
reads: 7.53
